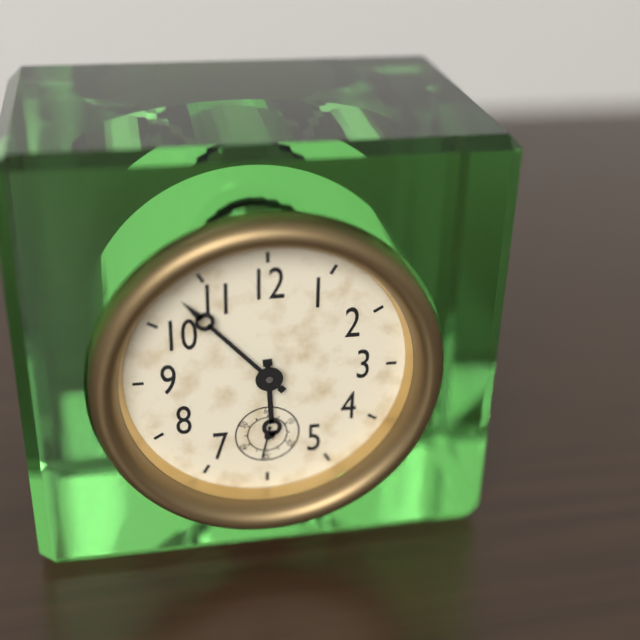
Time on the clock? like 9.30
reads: 5.53
